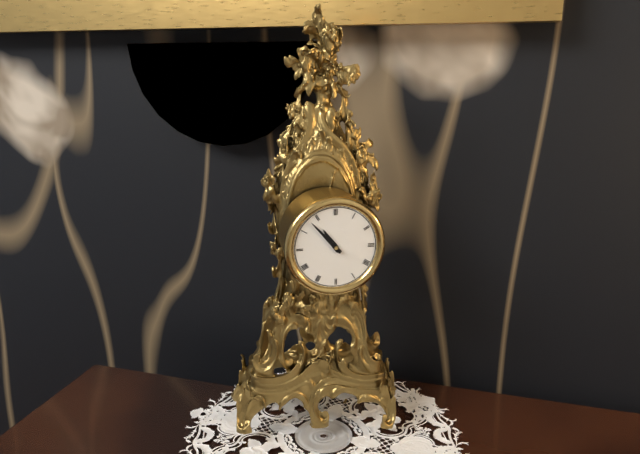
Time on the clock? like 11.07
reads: 10.53
